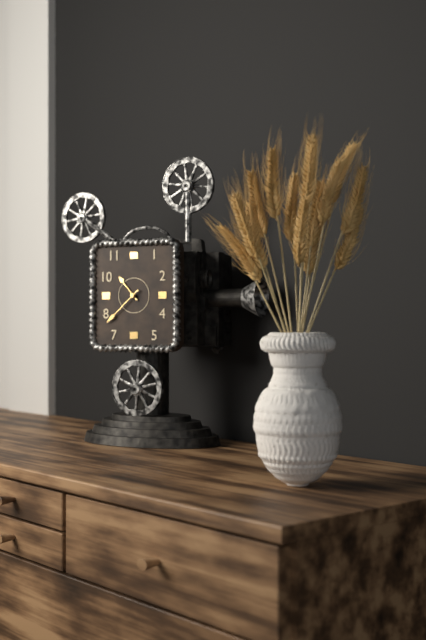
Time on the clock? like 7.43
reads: 10.38
